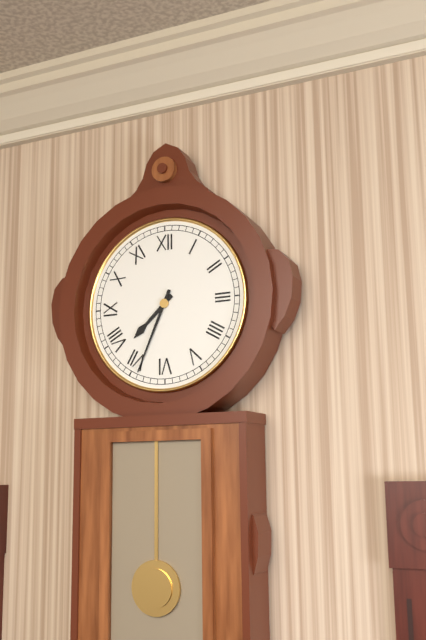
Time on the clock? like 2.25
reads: 7.34
